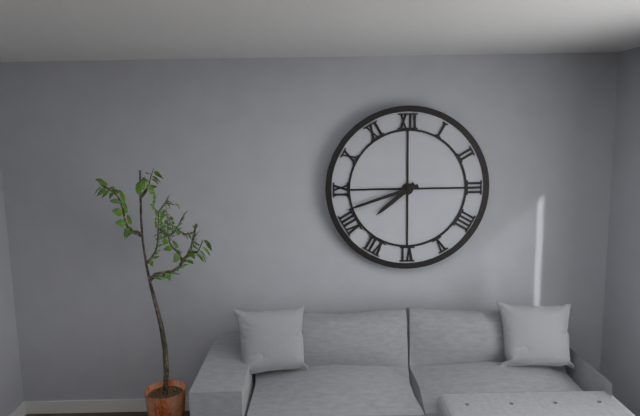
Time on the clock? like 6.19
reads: 7.42
